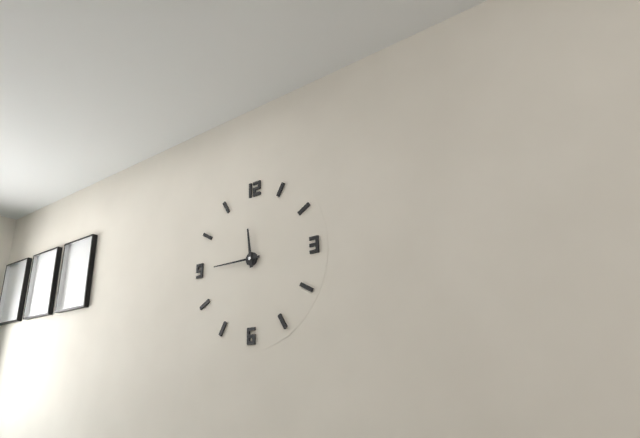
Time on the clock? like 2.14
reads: 11.45
